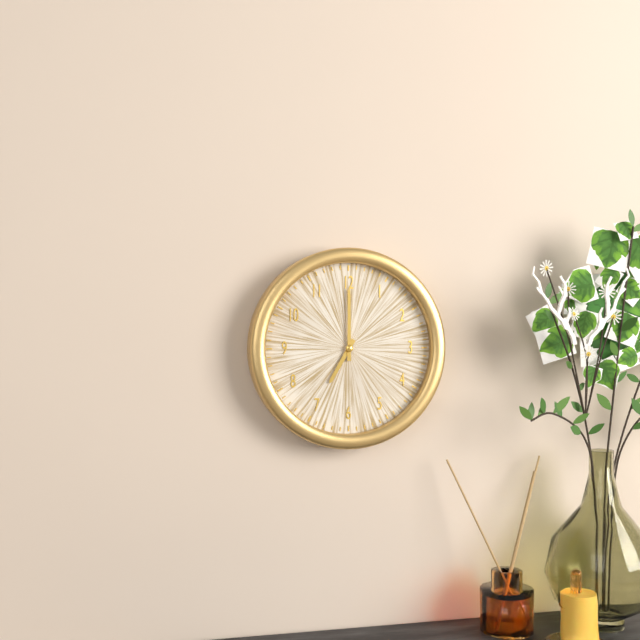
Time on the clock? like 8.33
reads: 7.00
